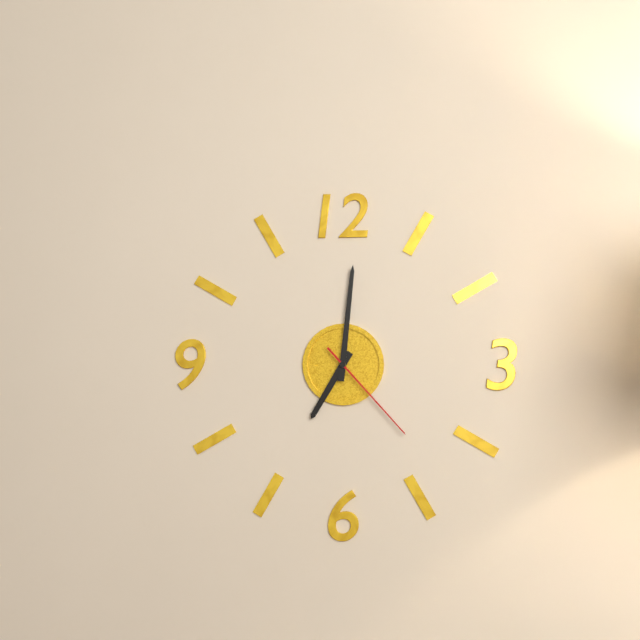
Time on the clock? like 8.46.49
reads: 7.01.23
